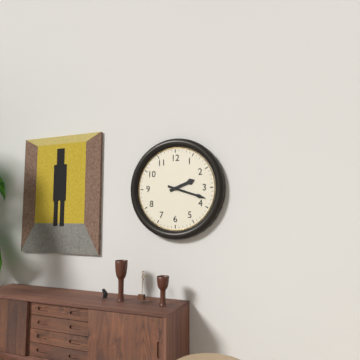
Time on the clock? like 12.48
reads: 2.18
